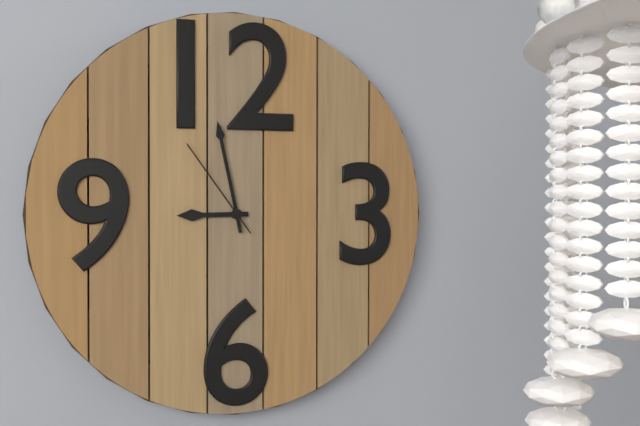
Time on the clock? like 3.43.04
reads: 8.58.54
